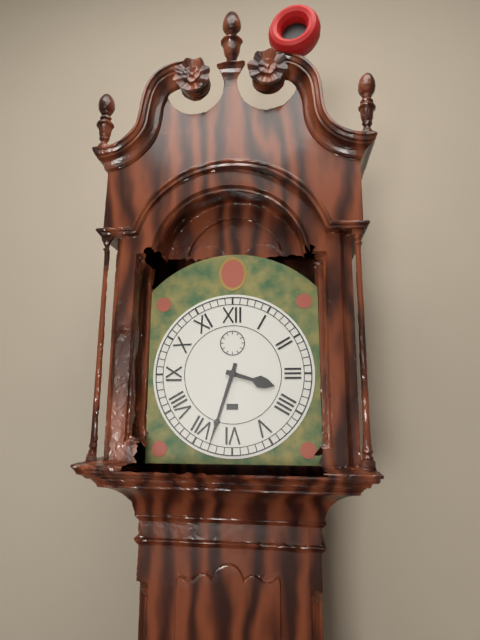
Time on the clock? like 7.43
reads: 3.33
